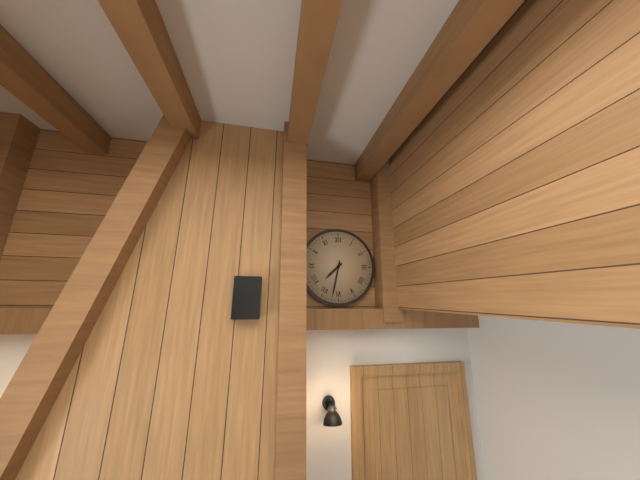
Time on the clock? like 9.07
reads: 7.32
